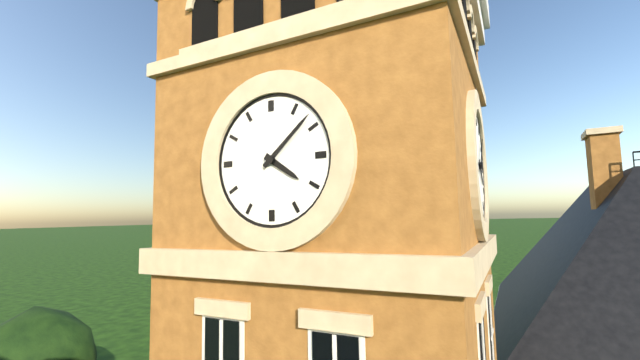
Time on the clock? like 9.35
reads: 4.08
